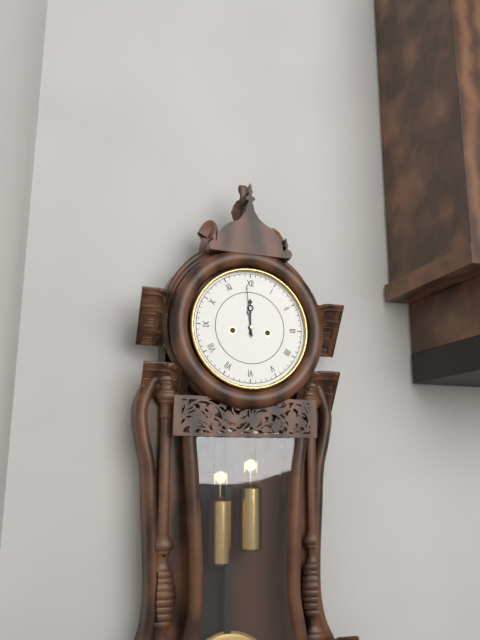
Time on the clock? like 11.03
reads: 11.59
